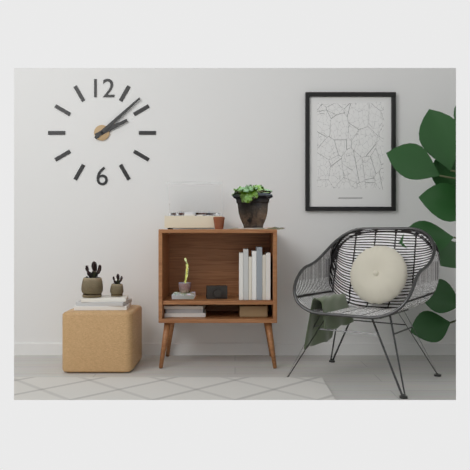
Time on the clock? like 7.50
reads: 2.08
